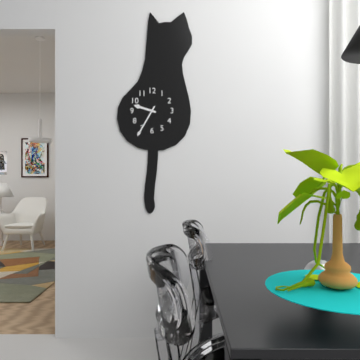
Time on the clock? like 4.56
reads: 9.35
